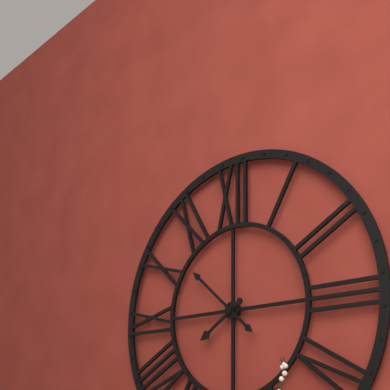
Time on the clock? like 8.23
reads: 7.52
